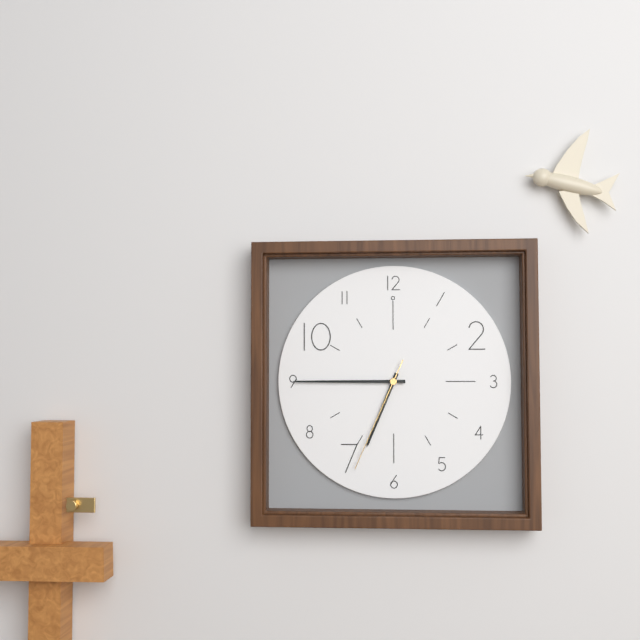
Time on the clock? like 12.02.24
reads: 6.45.34
